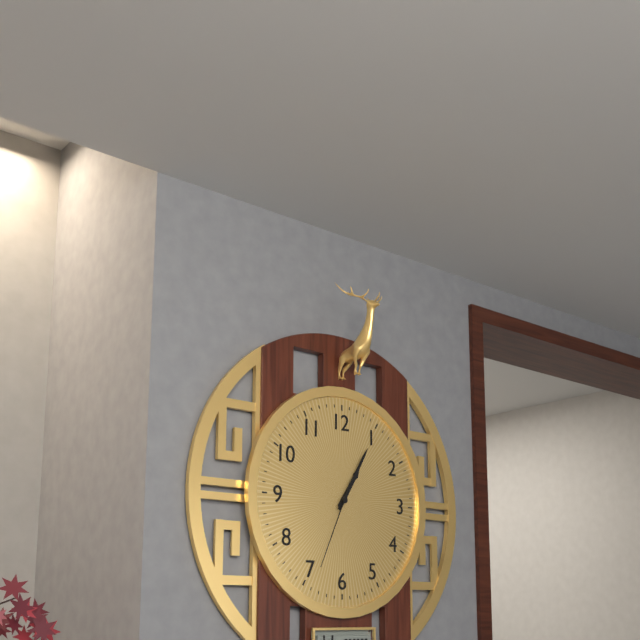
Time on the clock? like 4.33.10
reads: 1.05.34
